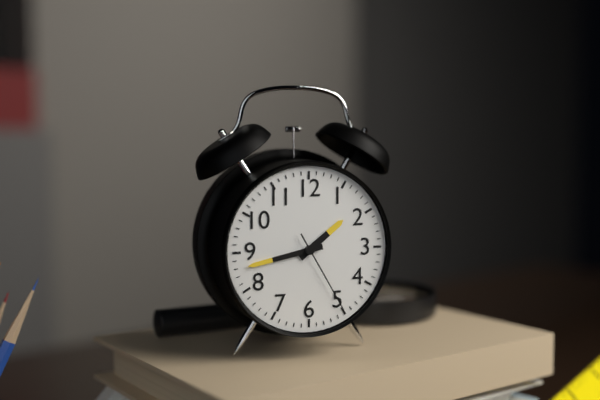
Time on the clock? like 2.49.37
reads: 1.43.25
